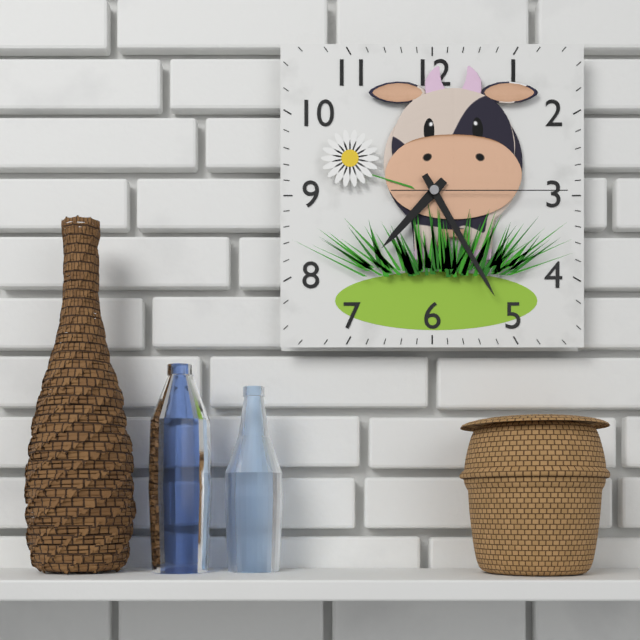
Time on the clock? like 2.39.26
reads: 7.25.15
